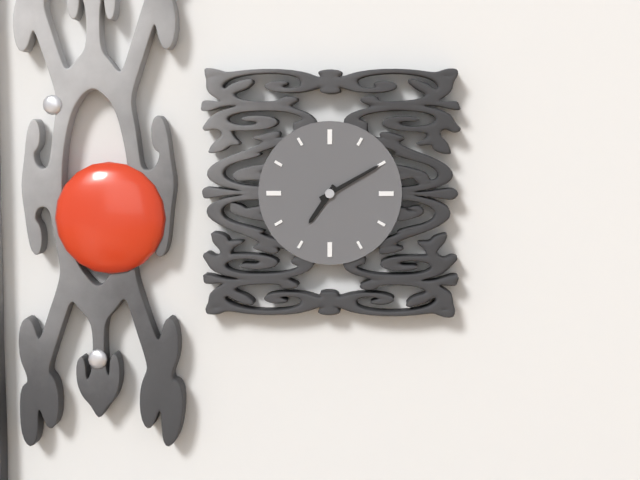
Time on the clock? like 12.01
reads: 7.10
